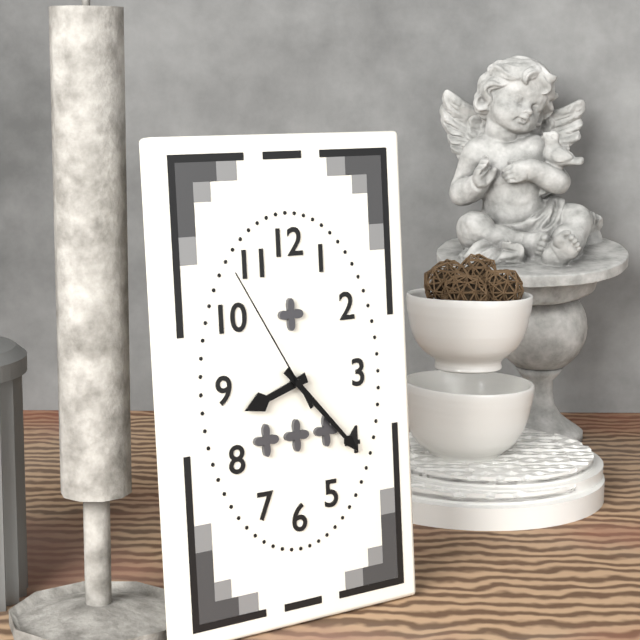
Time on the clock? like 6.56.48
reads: 8.23.55
